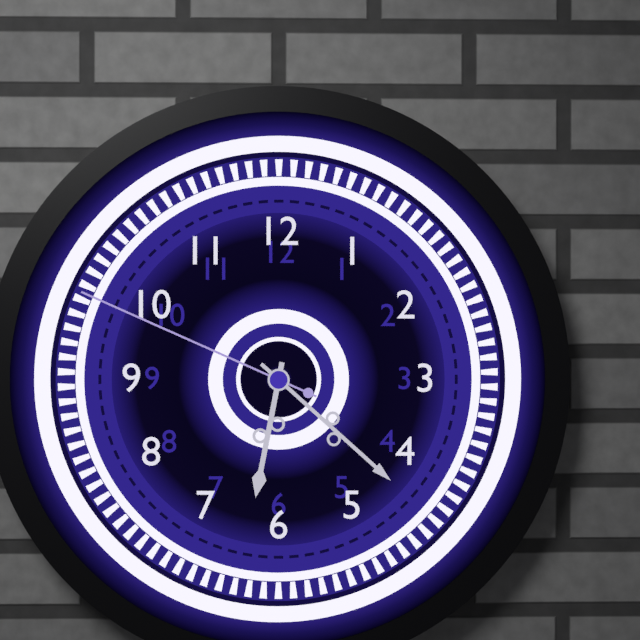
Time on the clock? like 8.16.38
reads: 6.22.49
